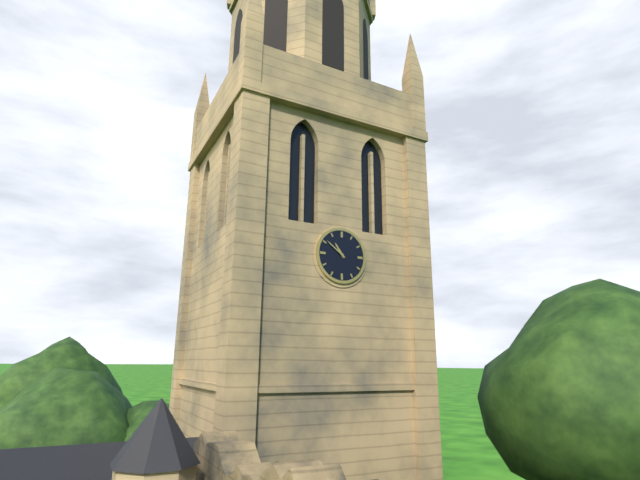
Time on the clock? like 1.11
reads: 10.51
